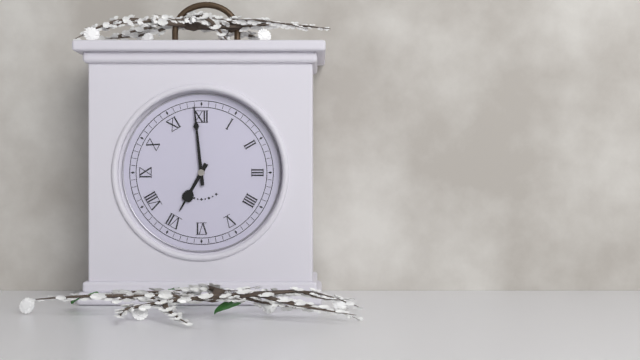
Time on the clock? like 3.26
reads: 6.59
